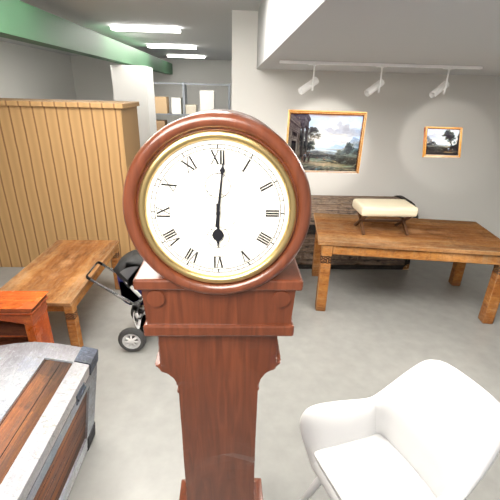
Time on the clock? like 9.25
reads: 6.01
